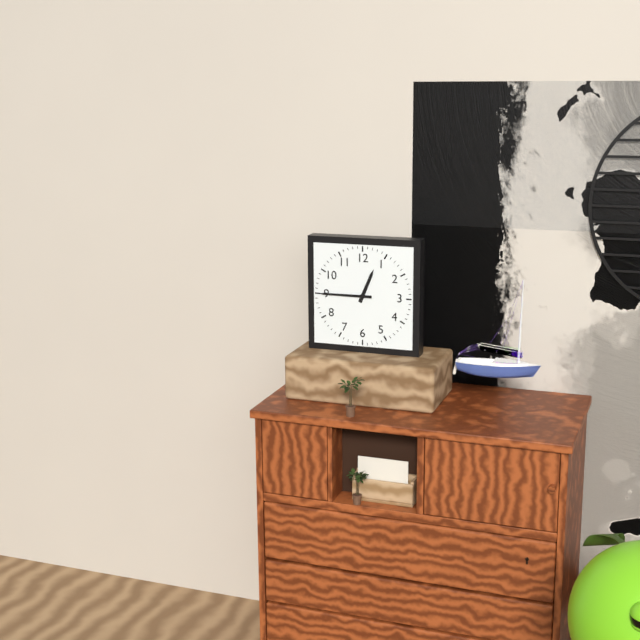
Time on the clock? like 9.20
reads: 12.45
